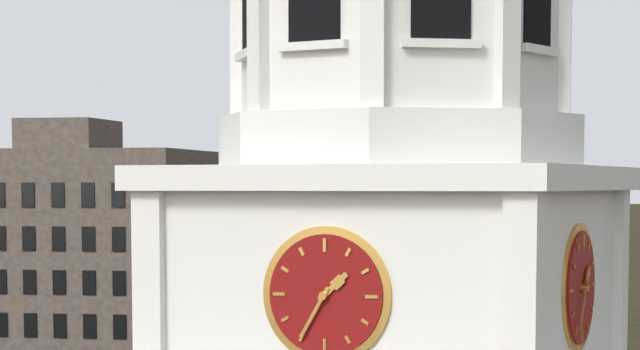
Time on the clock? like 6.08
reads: 1.35
